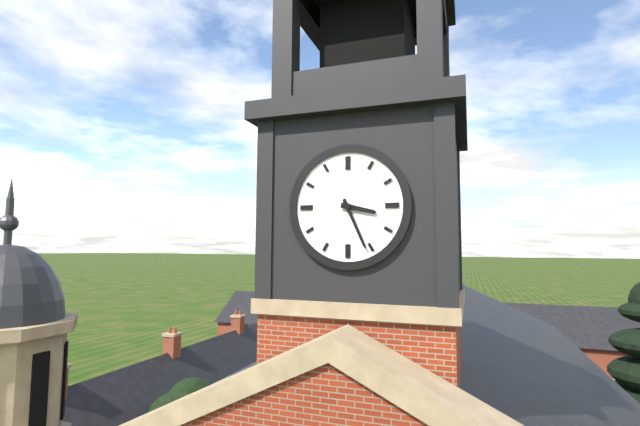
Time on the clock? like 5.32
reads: 3.26
